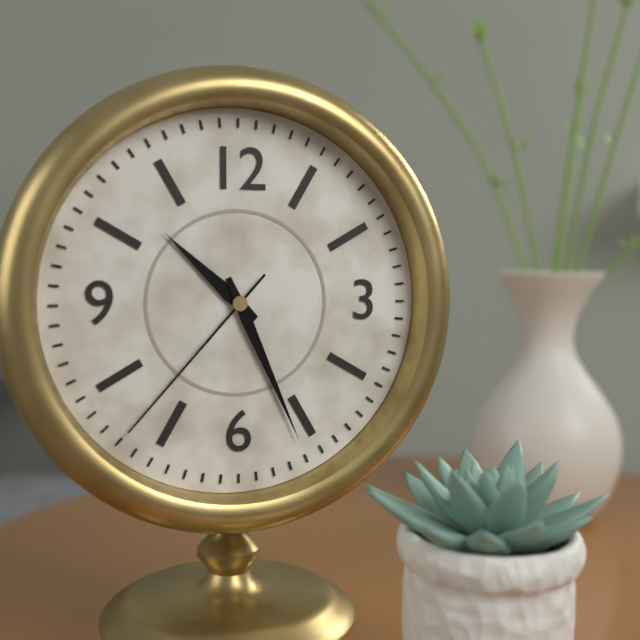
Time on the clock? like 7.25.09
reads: 10.26.37
